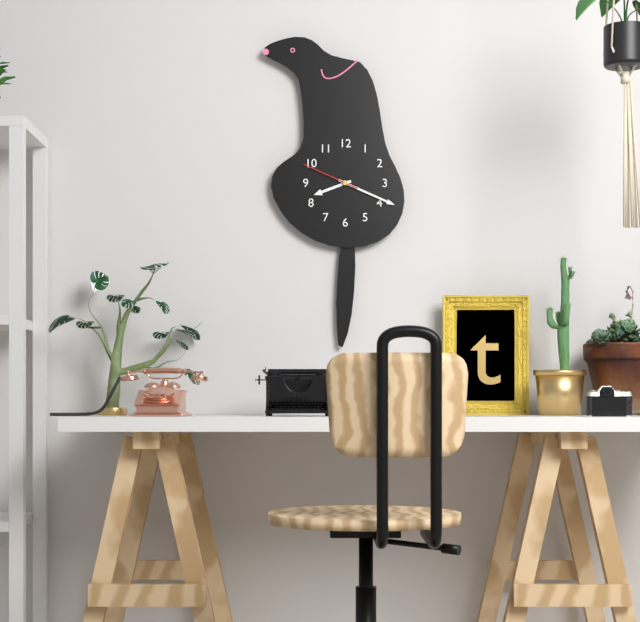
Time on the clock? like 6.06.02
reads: 8.19.49
